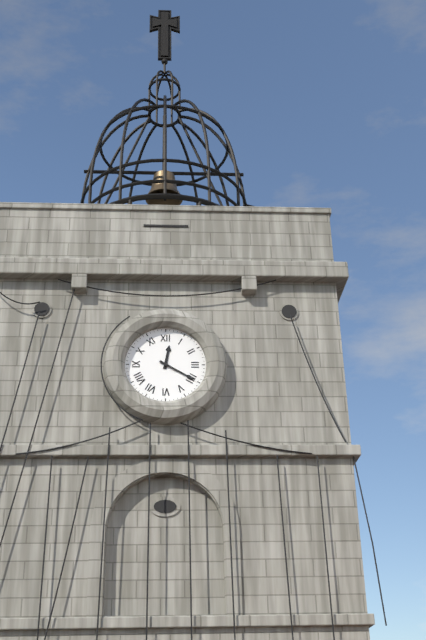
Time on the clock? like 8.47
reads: 12.20
